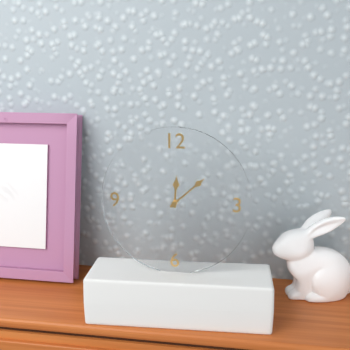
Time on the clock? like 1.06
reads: 12.08
